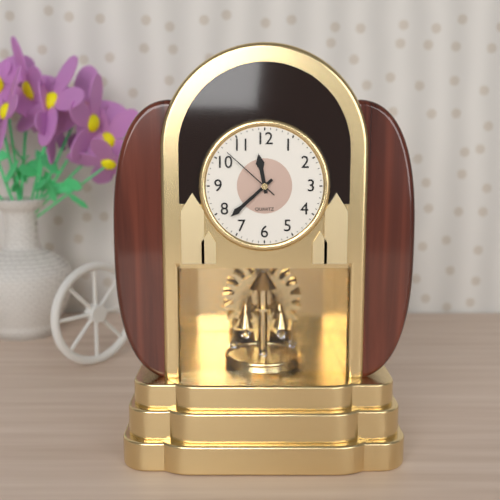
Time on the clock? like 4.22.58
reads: 11.38.52
